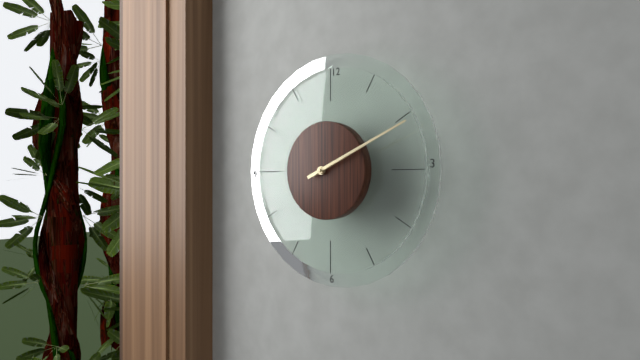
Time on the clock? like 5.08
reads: 2.11
